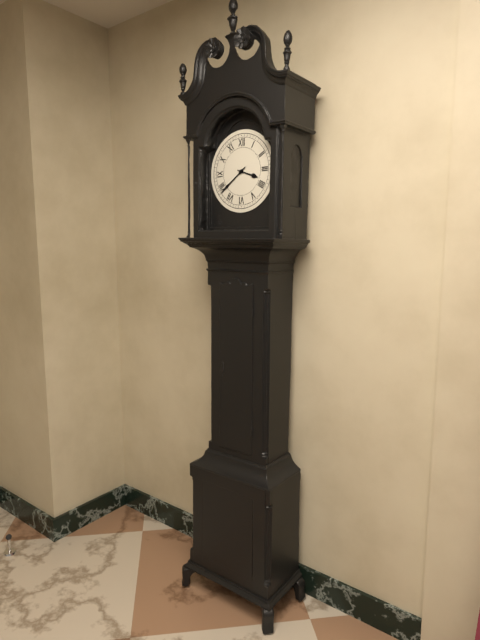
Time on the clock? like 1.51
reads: 3.39
